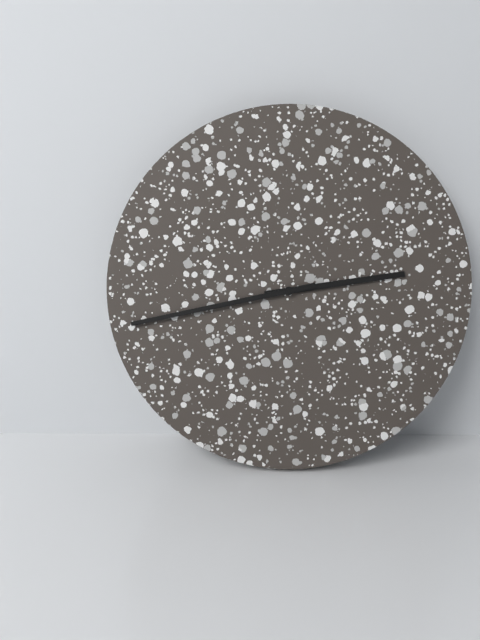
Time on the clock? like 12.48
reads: 2.43
